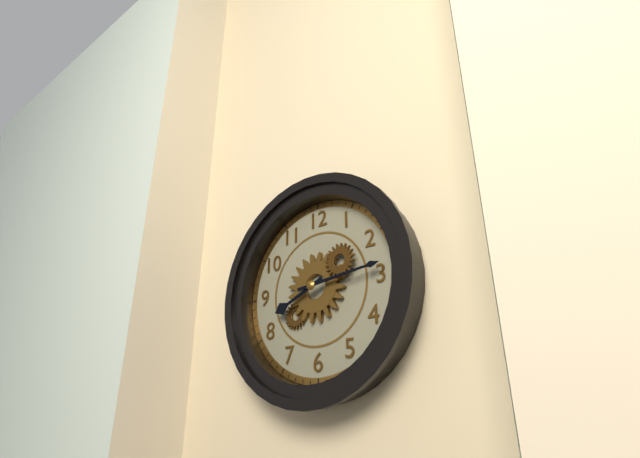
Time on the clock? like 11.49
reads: 8.14
